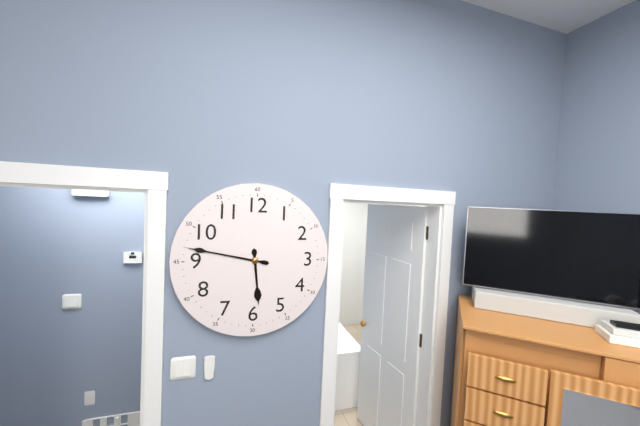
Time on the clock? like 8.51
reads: 5.47
